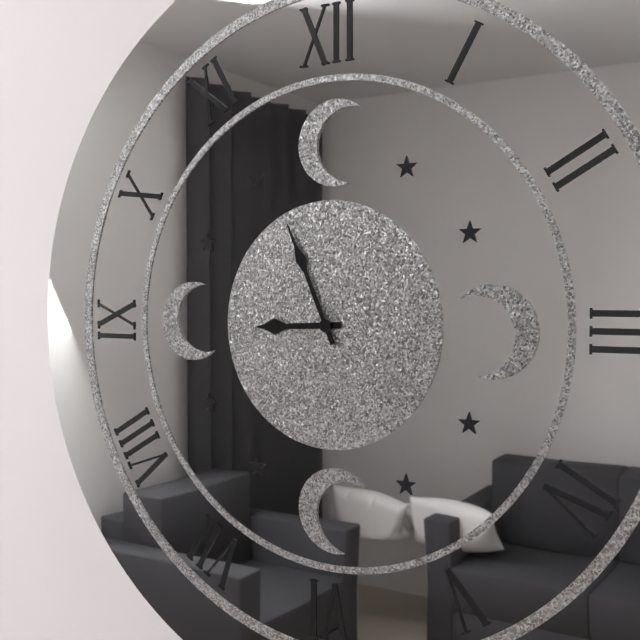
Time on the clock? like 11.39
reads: 8.56
